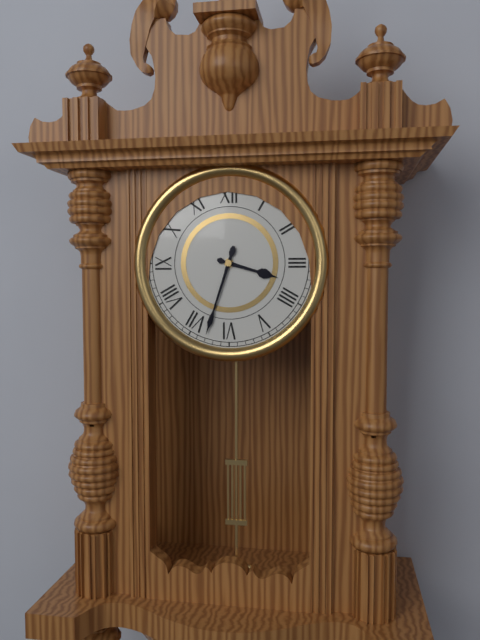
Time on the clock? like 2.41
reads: 3.33
